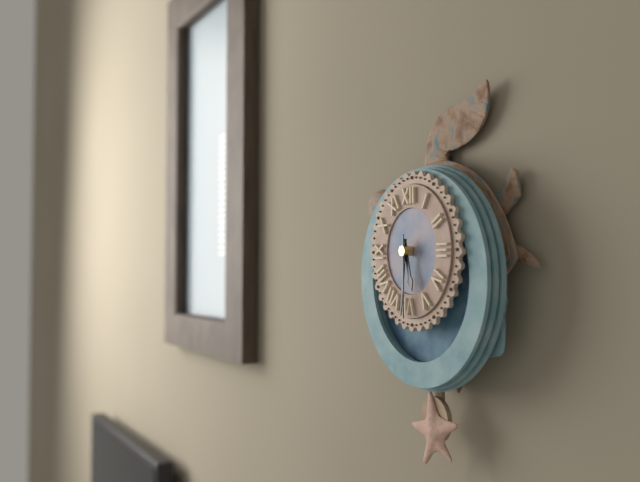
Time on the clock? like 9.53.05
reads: 5.31.30
